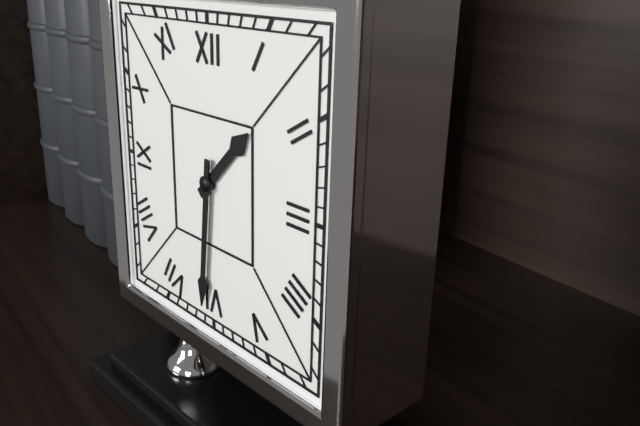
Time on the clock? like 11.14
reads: 1.31
